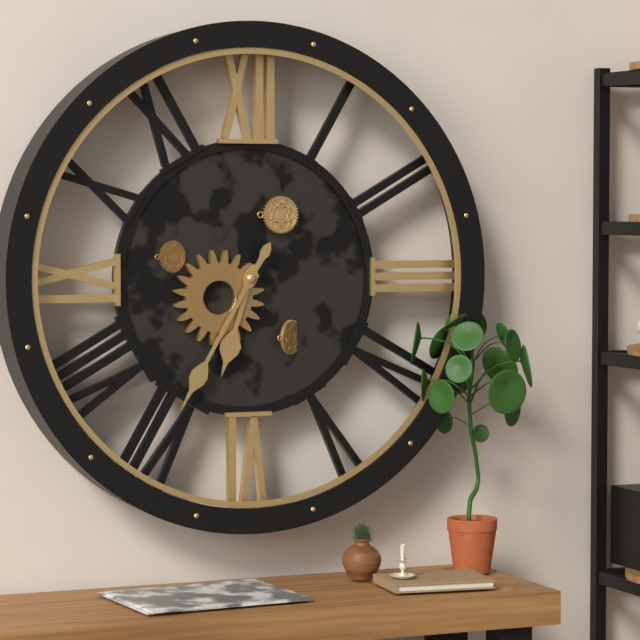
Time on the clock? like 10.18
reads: 6.35
